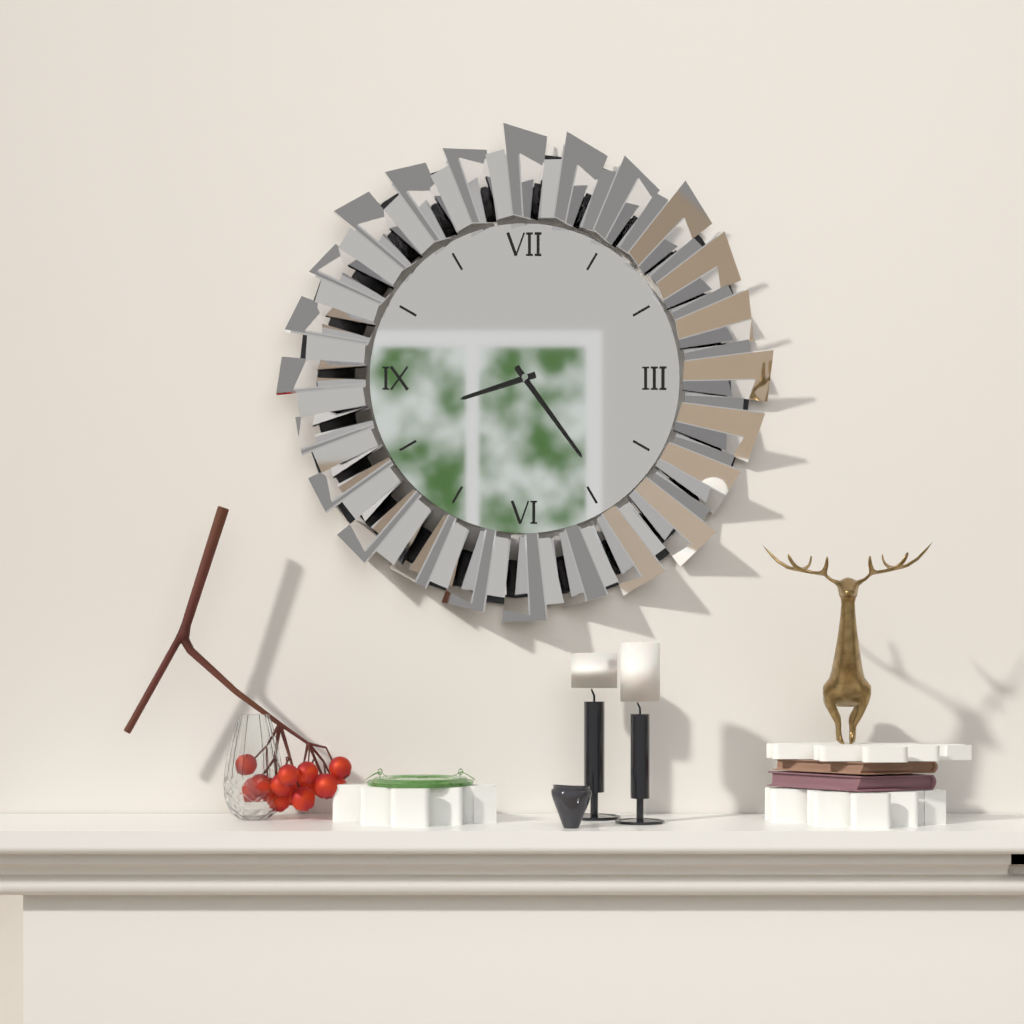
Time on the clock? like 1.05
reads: 8.24
